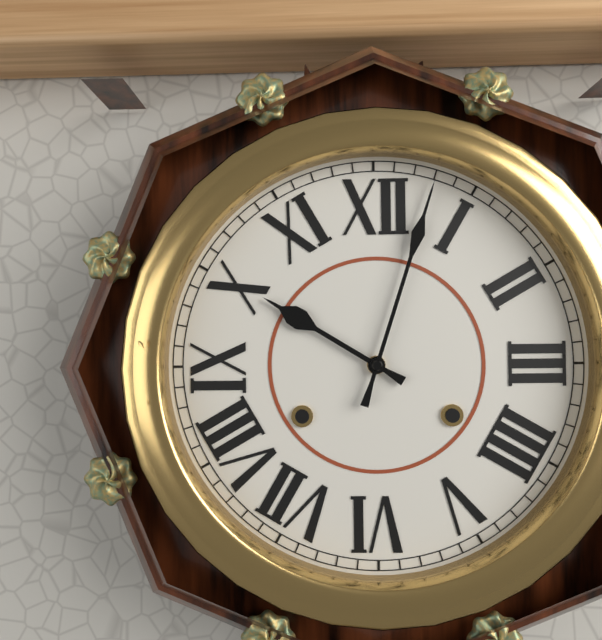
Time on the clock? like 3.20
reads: 10.03
